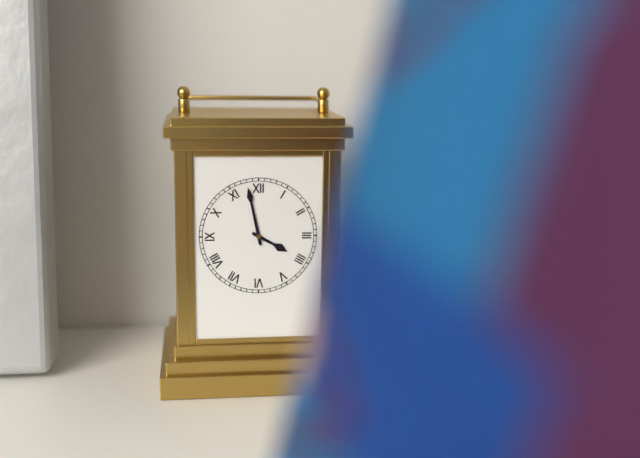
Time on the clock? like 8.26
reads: 3.58
